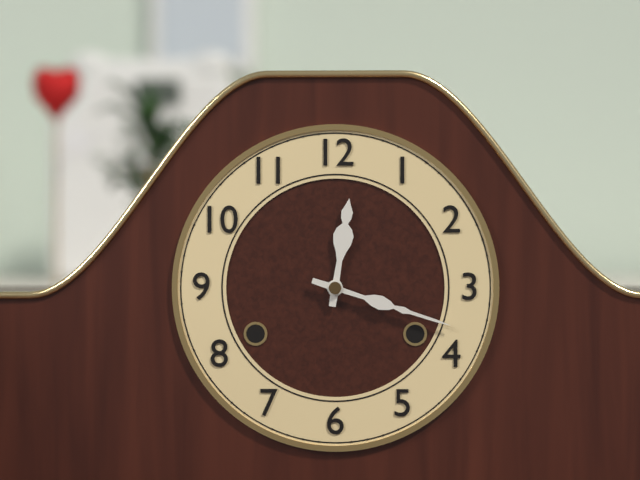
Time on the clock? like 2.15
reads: 12.18
